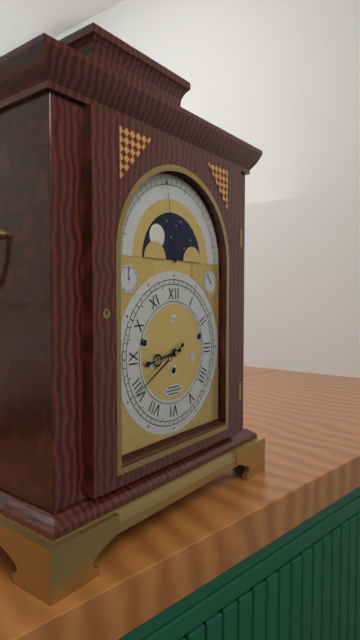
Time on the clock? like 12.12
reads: 8.40
